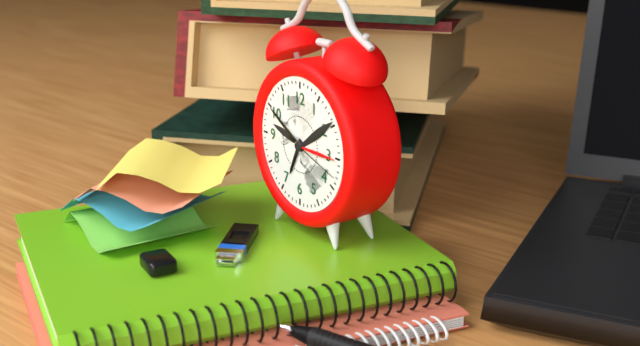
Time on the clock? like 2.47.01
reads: 6.50.18
